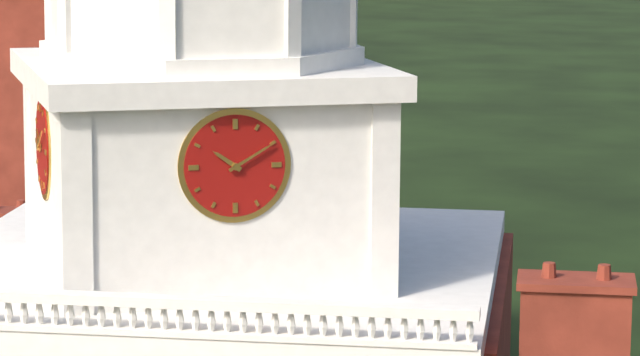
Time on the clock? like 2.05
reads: 10.10
